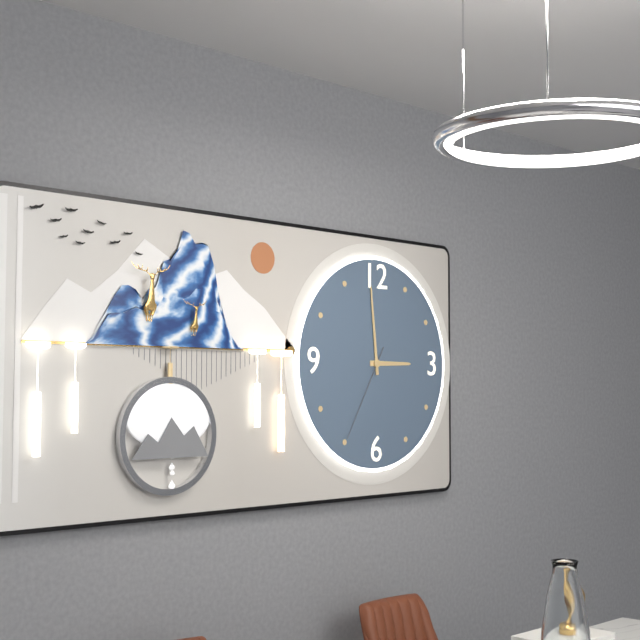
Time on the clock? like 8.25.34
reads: 2.59.35
